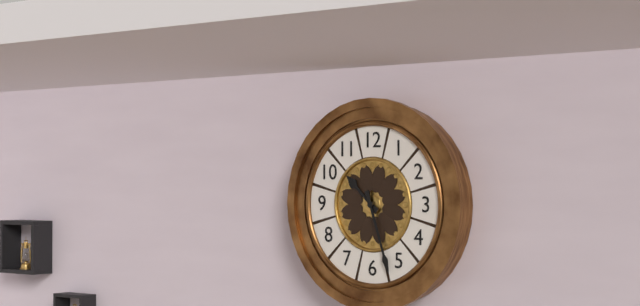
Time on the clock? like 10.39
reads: 10.27
